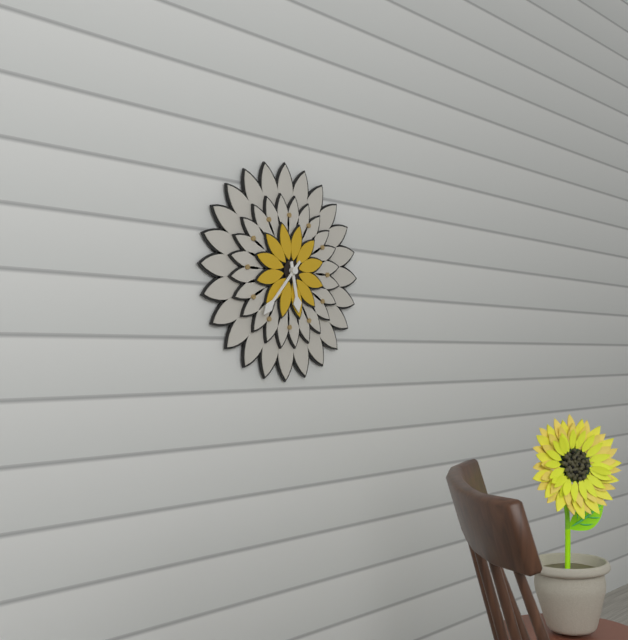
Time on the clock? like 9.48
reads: 5.37
